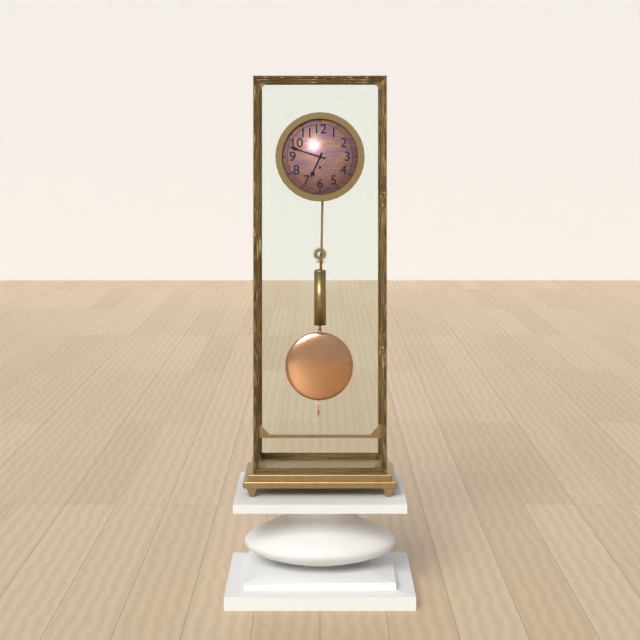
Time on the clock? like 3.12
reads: 6.48
